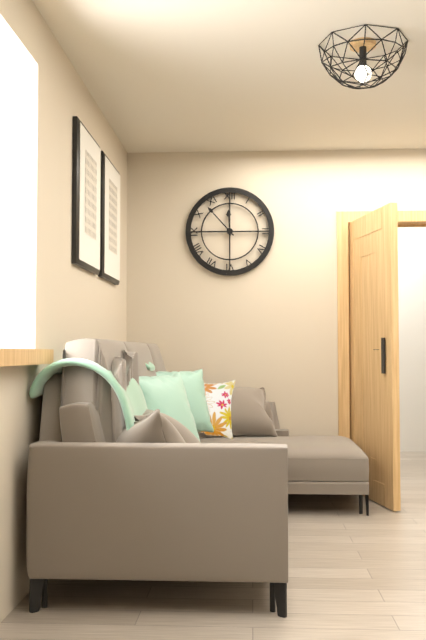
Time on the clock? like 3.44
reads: 11.53
